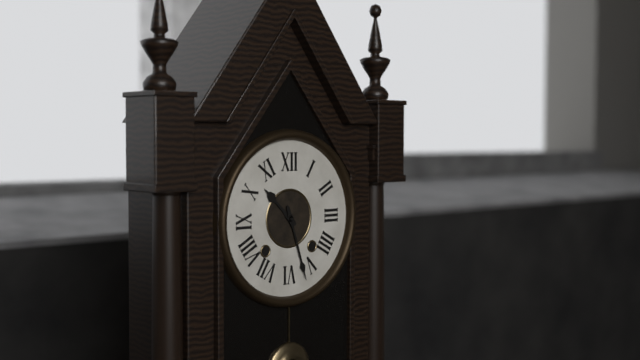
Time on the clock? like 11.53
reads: 10.27
